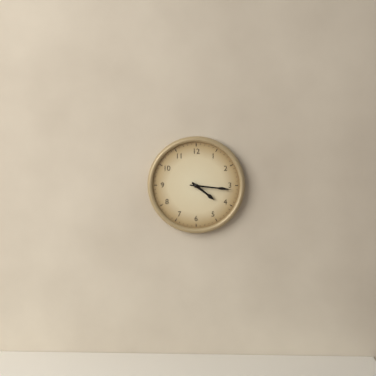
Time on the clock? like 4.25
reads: 4.16
